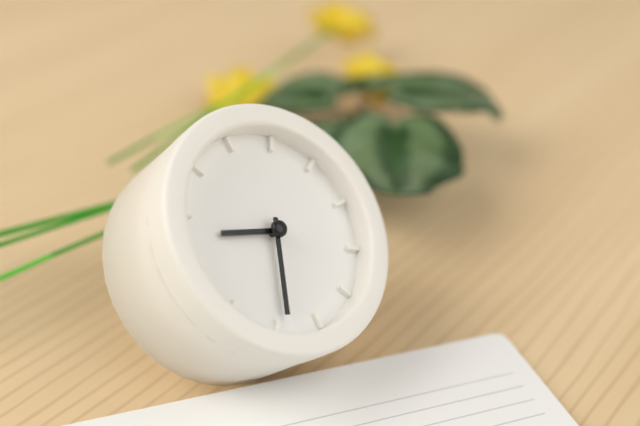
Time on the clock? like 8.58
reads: 9.34
